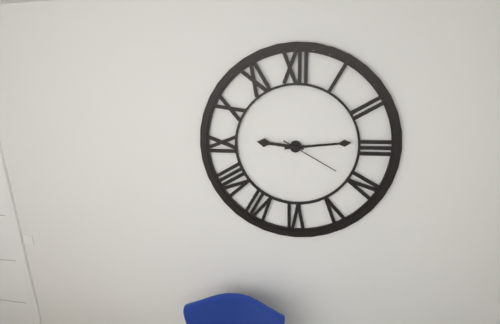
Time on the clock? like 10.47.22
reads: 9.14.20
